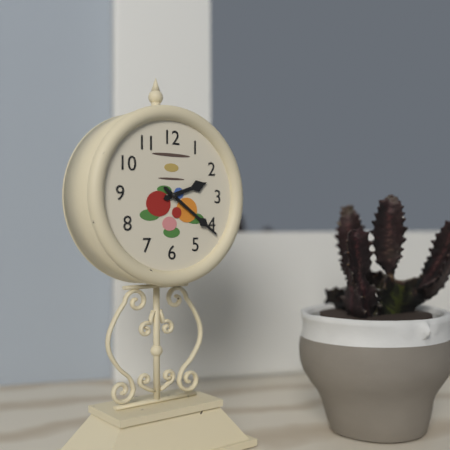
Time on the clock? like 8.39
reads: 2.21
